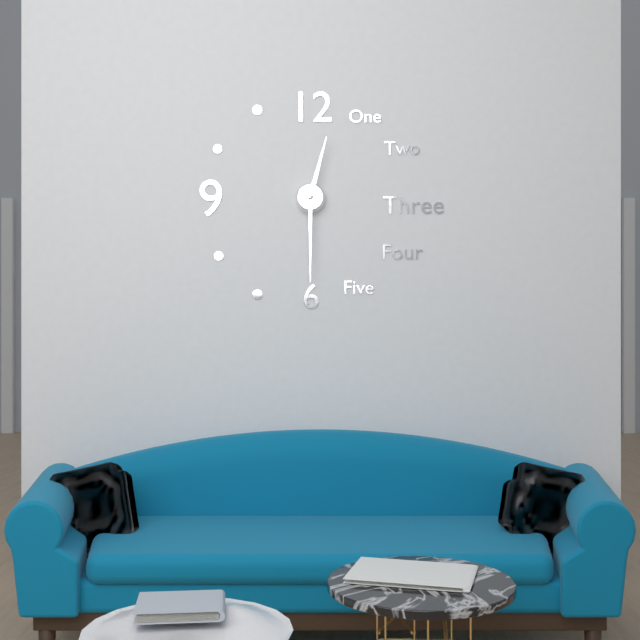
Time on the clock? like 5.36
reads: 12.30
